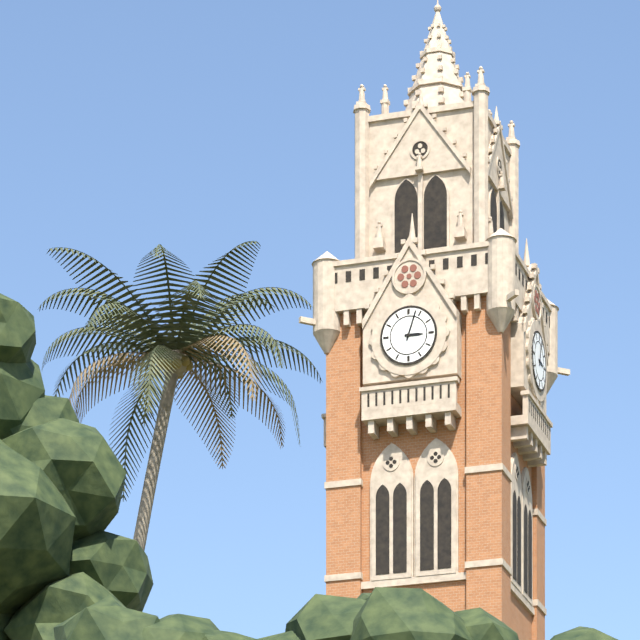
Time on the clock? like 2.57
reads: 3.03
